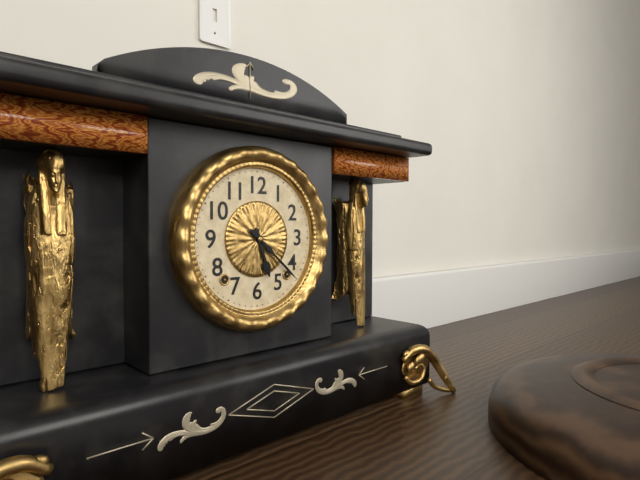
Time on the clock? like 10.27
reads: 5.22
